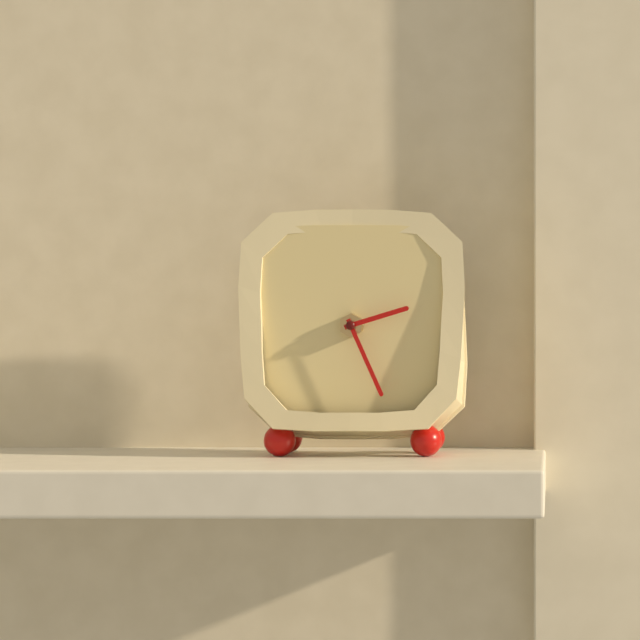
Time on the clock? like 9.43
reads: 2.26
